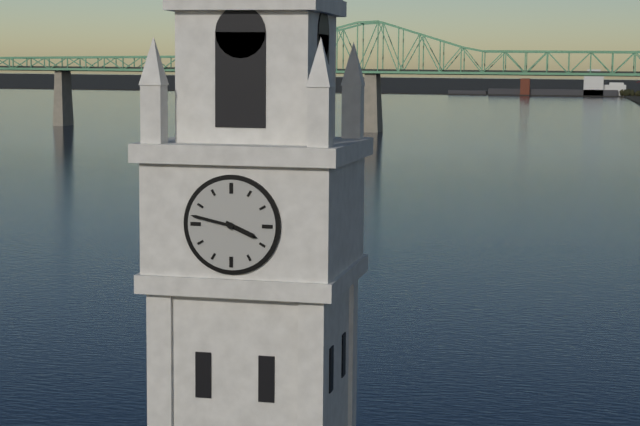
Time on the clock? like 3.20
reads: 3.47
